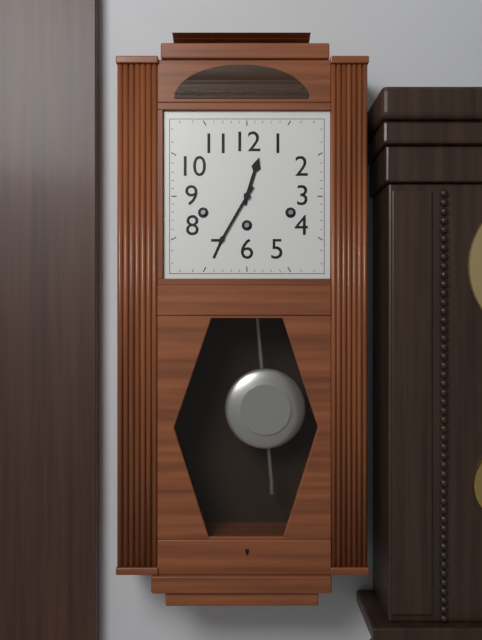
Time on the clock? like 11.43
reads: 12.35
